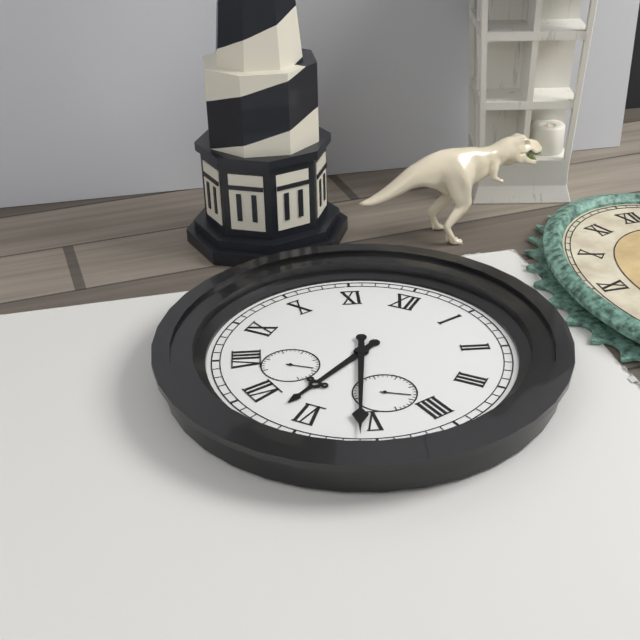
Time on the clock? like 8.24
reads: 6.26
